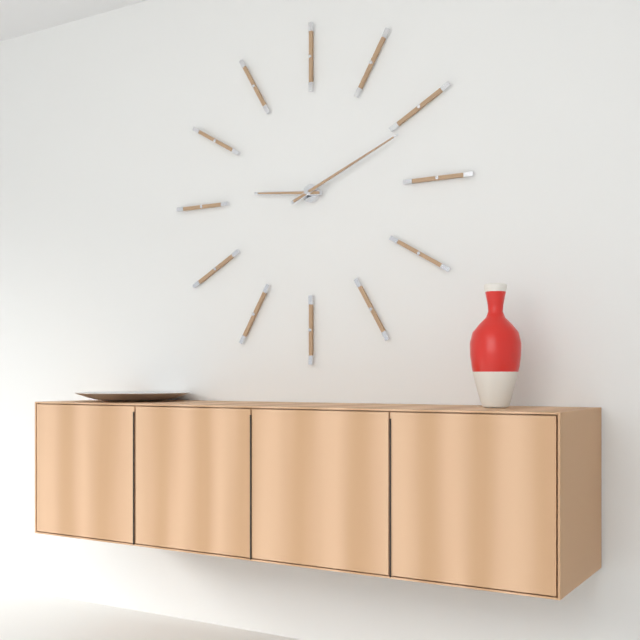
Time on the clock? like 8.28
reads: 9.11
